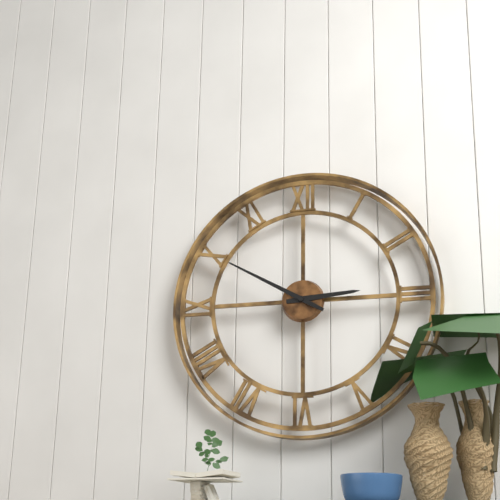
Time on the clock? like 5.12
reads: 2.50
